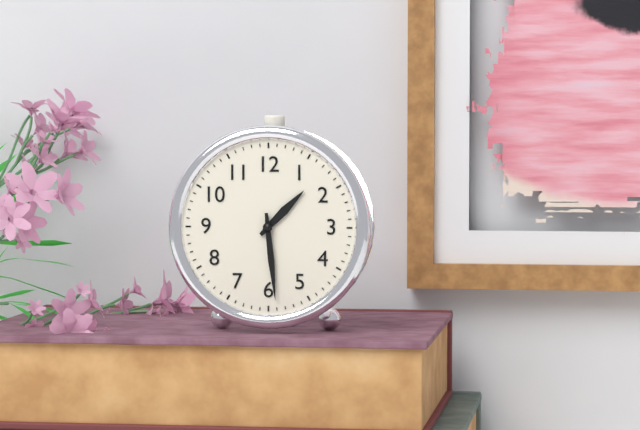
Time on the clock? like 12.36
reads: 1.29
